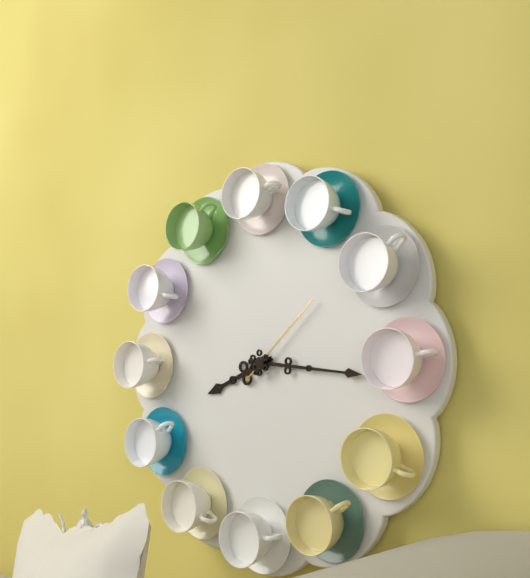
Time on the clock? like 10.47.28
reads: 8.16.08
